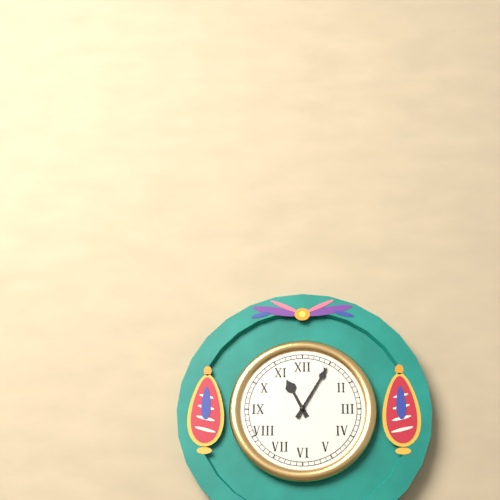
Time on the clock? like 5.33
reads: 11.05
